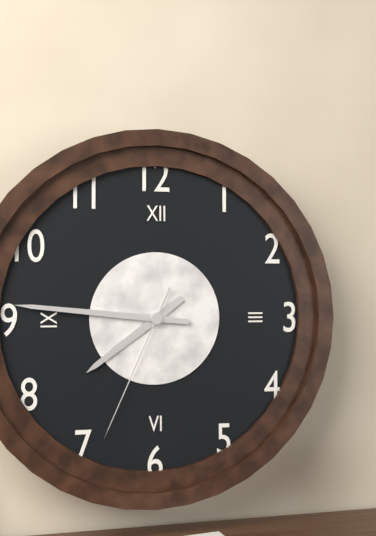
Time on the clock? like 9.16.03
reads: 7.46.34
